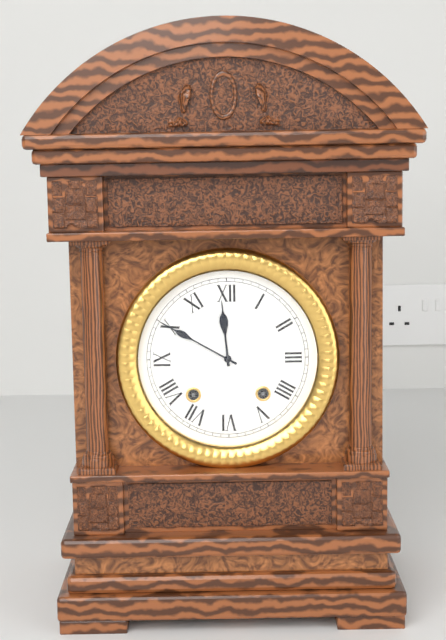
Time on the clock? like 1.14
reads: 11.50
